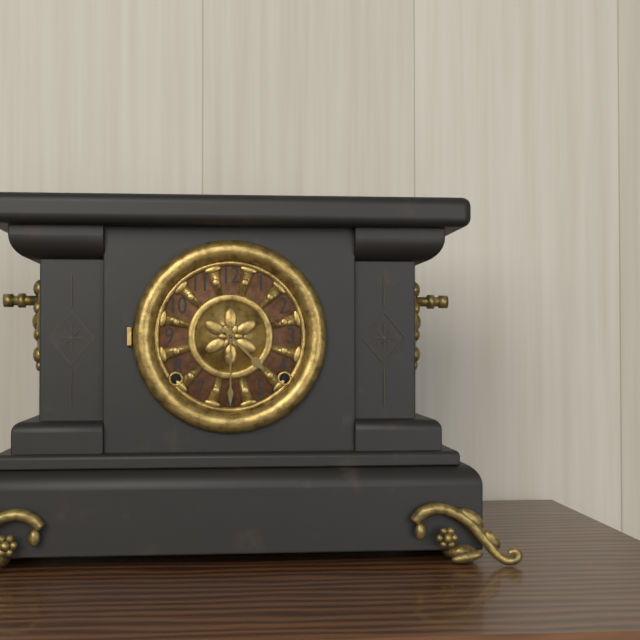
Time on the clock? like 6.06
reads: 4.30
